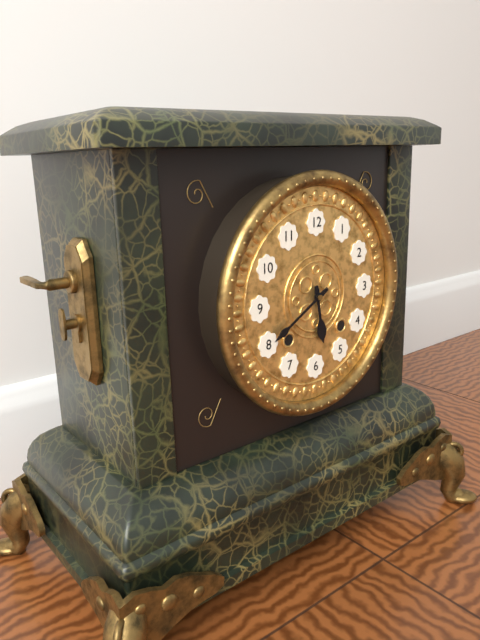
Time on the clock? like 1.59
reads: 5.40
